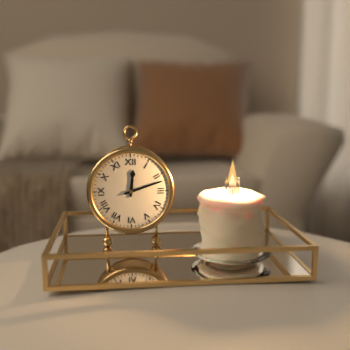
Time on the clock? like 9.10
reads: 12.12
